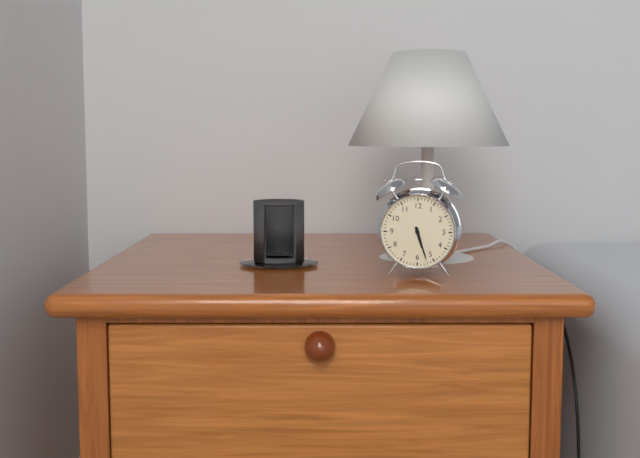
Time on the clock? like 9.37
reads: 5.27
